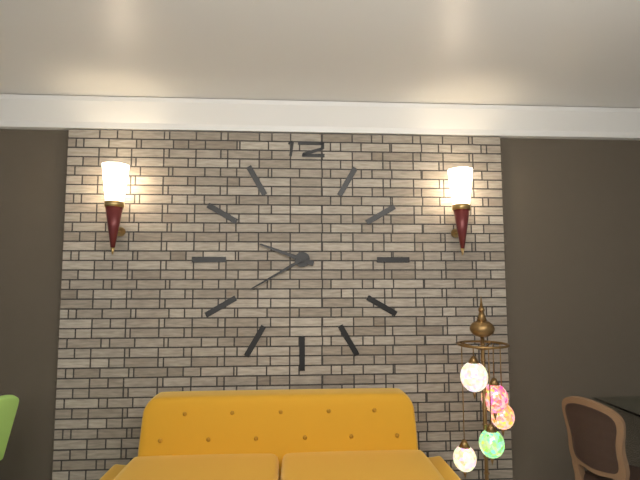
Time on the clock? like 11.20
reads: 9.40
